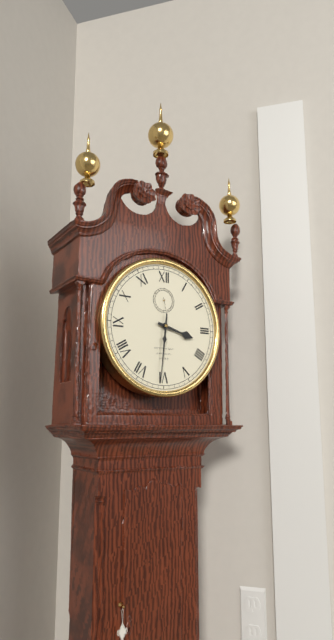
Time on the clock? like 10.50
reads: 3.31
